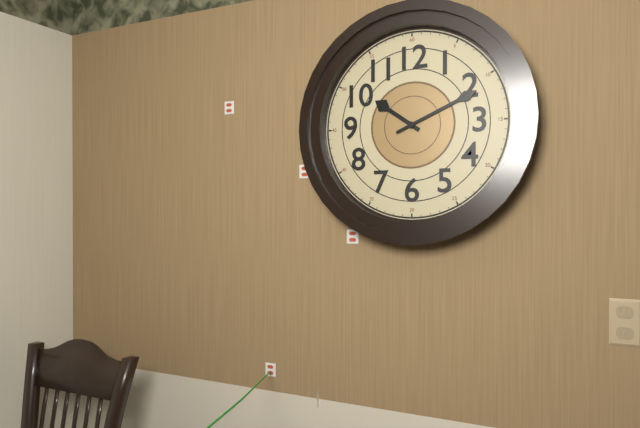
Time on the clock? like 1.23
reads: 10.11
